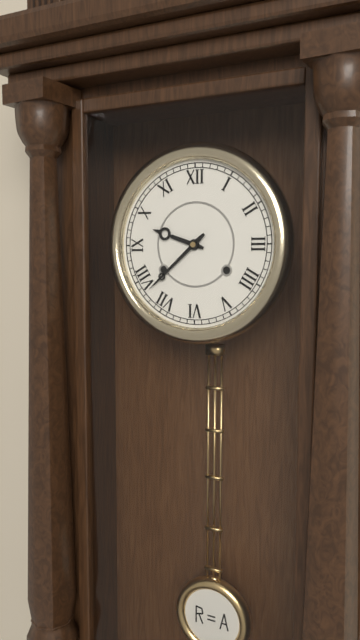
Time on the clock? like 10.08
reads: 9.38
